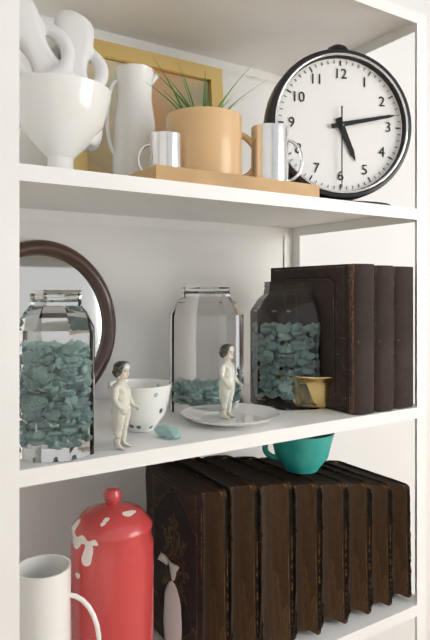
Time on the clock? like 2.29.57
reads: 5.13.30
